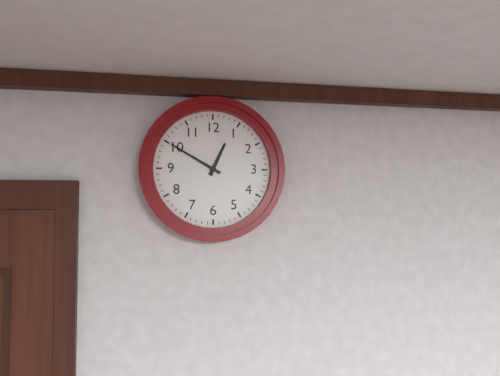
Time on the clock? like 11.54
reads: 12.50
